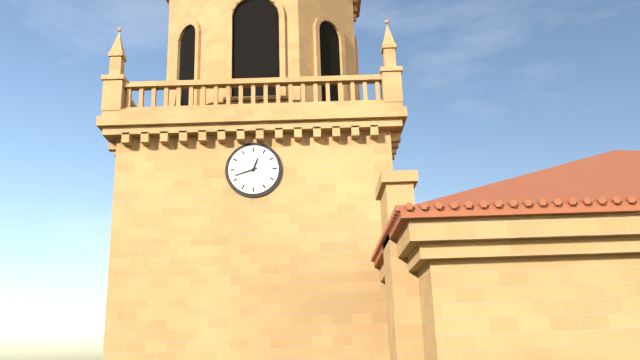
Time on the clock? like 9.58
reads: 12.42
